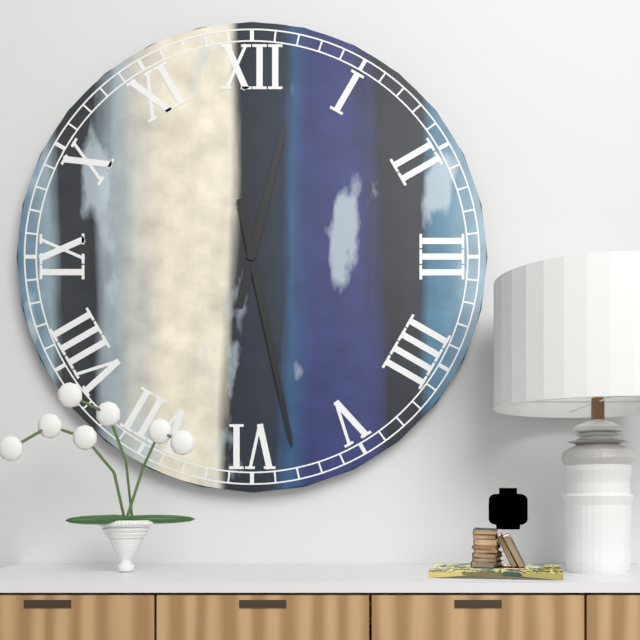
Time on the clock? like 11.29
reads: 12.28
